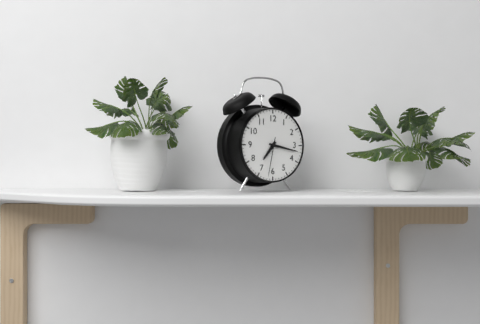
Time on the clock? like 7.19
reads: 7.17
